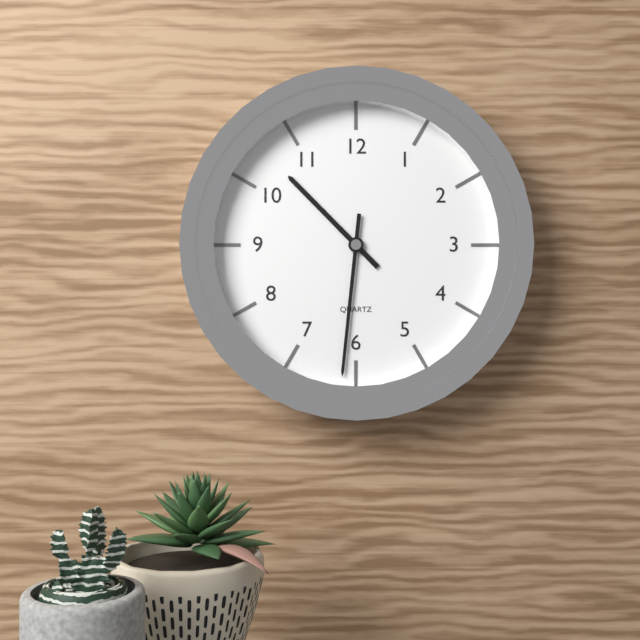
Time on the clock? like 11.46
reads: 10.31
